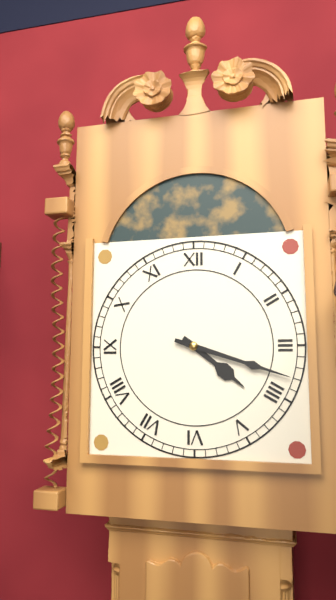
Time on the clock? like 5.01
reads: 4.18
